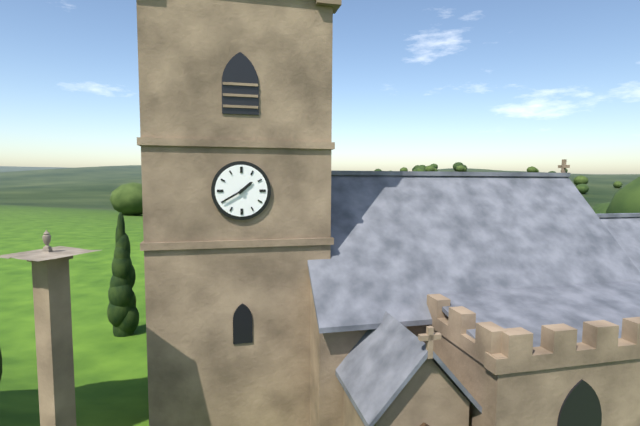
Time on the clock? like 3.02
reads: 1.40
